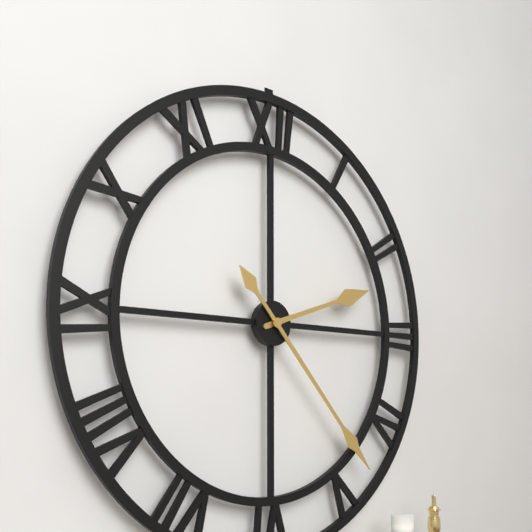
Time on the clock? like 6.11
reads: 2.23
